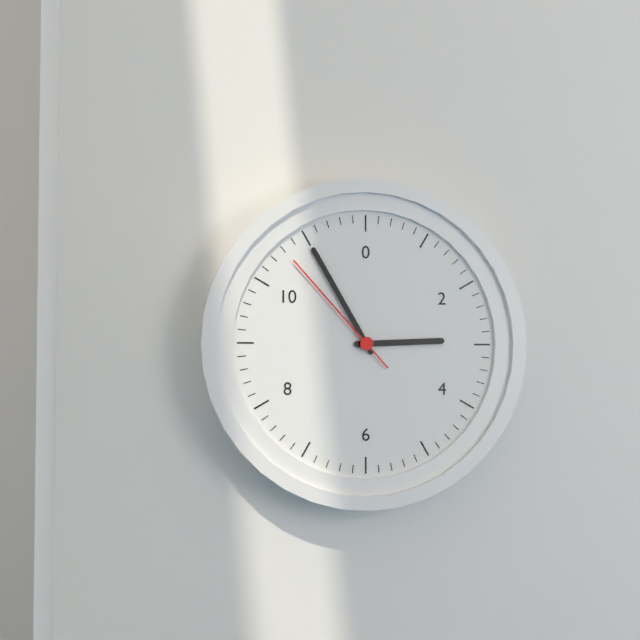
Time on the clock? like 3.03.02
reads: 2.55.53
